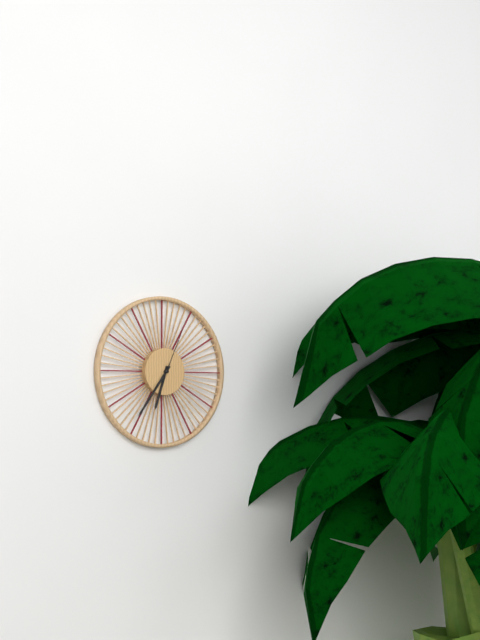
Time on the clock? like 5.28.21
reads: 6.36.04
